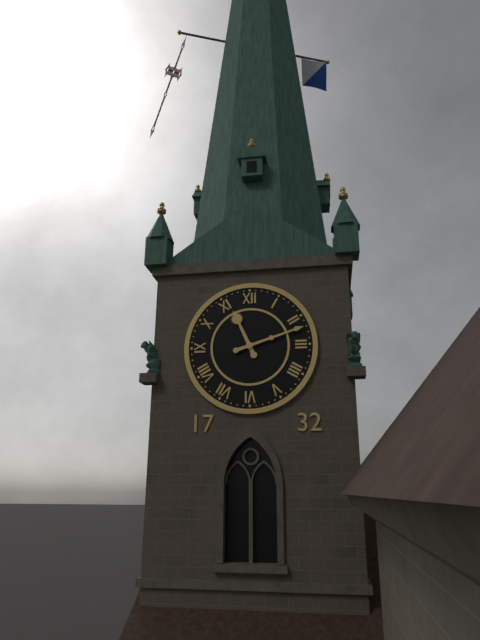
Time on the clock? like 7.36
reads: 11.12
